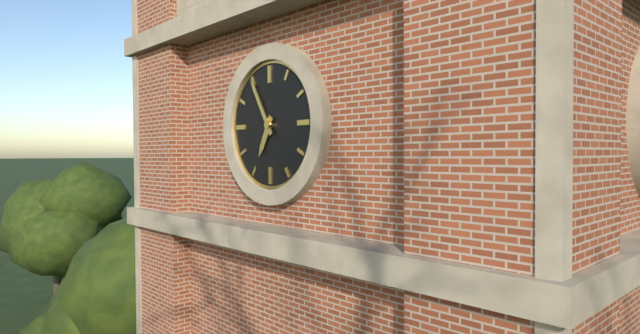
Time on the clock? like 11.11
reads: 6.55
